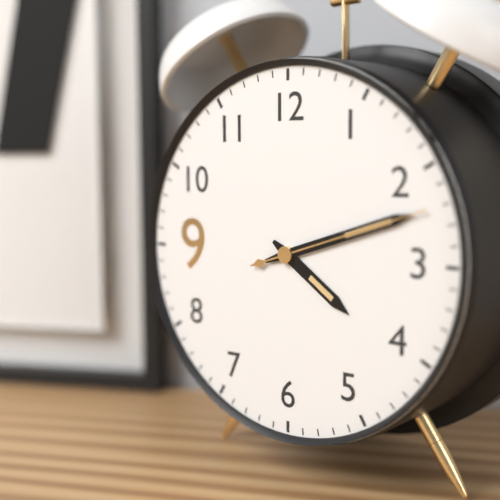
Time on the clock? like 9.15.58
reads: 4.12.12
